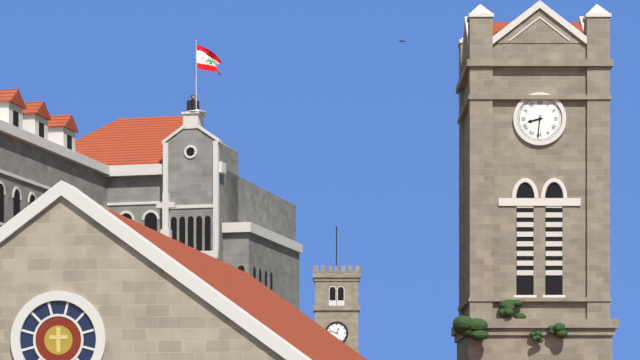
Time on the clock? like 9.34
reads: 8.31
